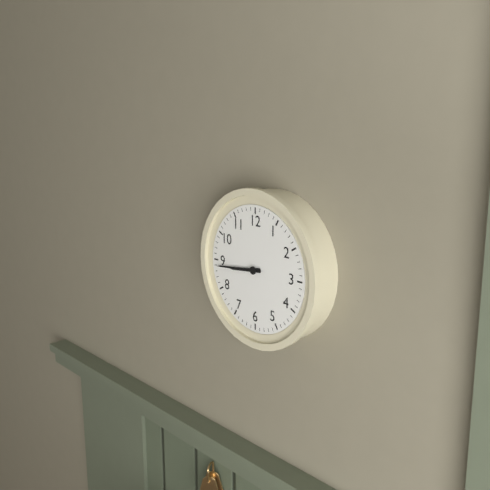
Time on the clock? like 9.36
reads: 8.44
